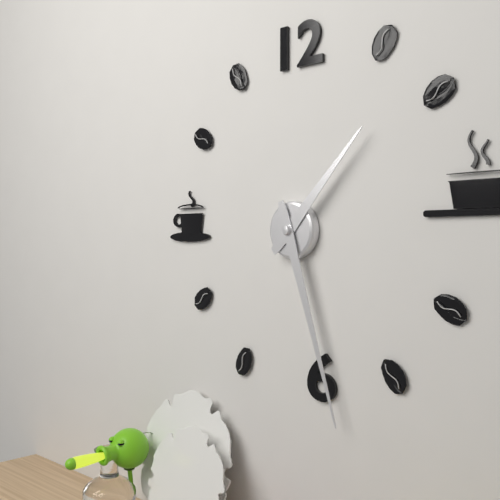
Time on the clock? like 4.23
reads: 1.27
